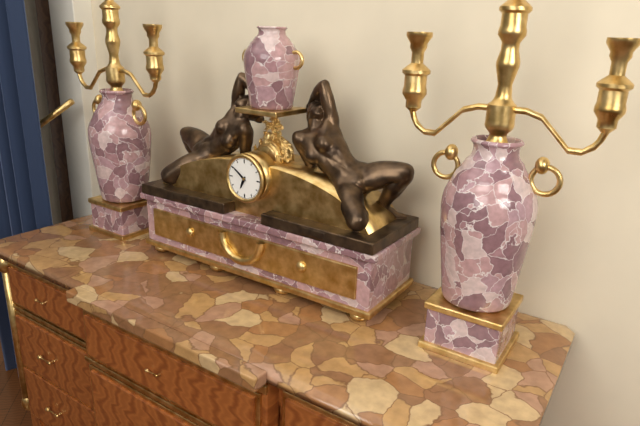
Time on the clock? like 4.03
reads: 6.51
